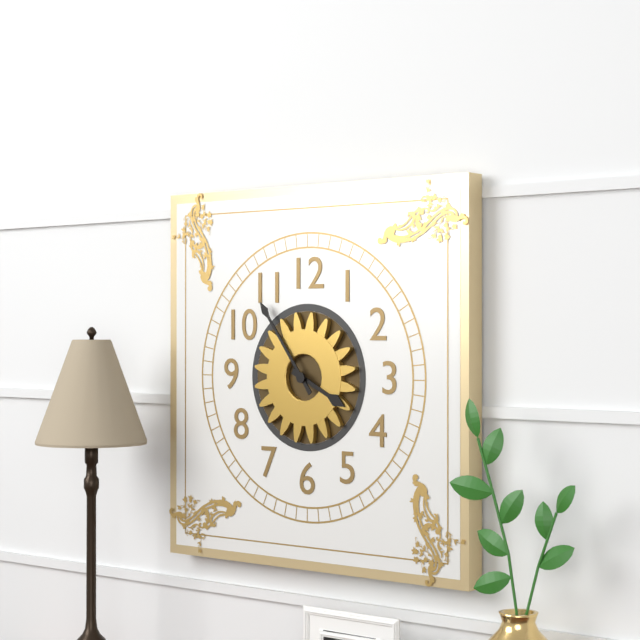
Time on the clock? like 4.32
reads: 3.54
